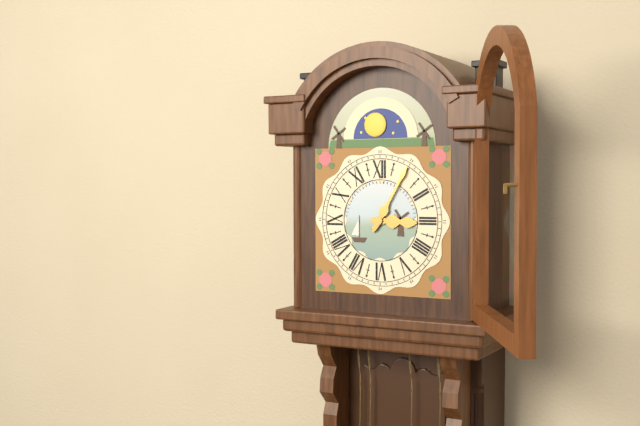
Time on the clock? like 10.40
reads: 3.05
